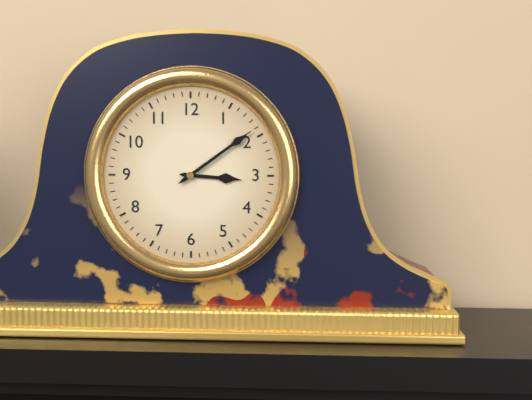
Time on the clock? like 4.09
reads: 3.09
